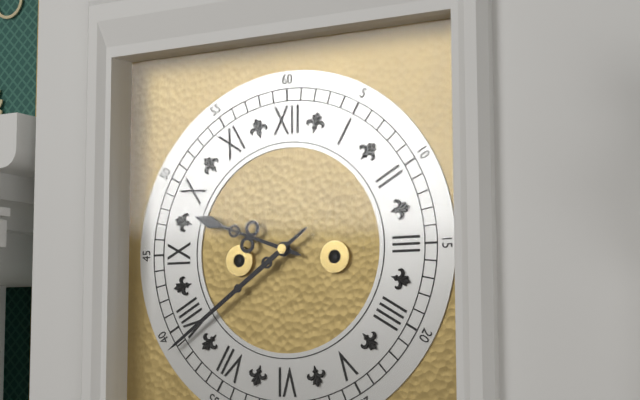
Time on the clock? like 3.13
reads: 9.39
